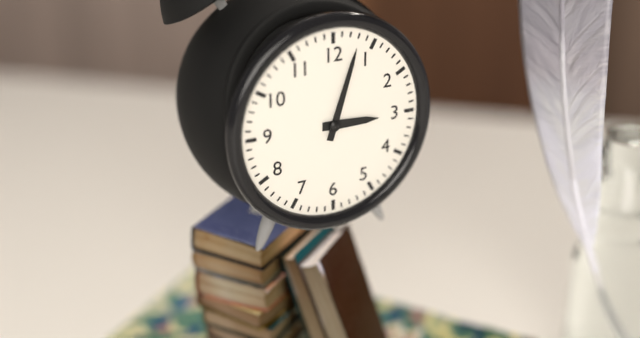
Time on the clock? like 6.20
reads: 3.03
